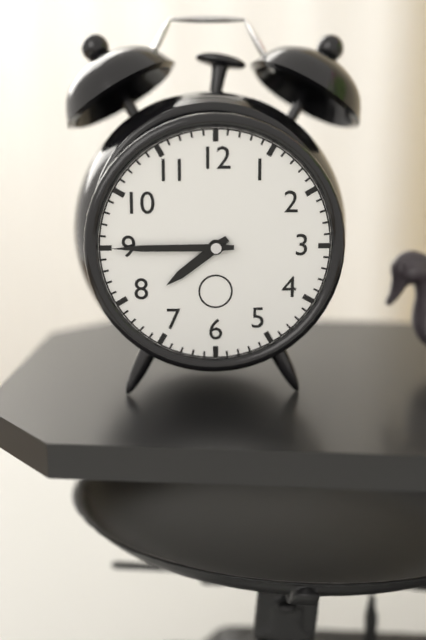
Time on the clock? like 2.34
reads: 7.45
